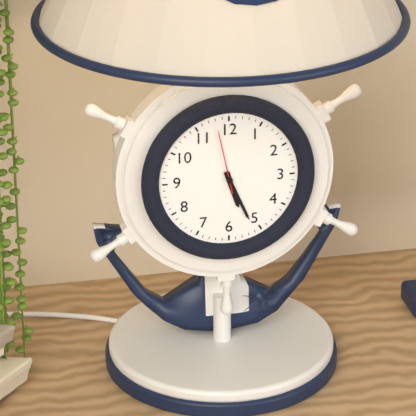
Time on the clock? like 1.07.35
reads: 5.26.58
